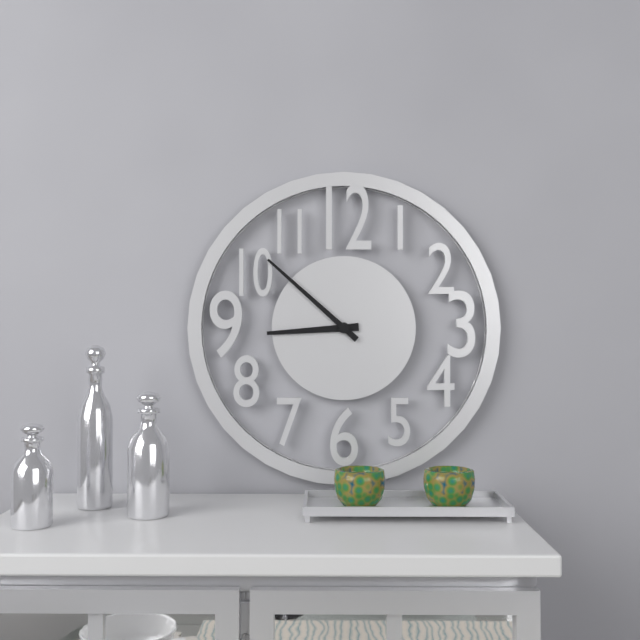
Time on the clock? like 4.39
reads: 8.52
